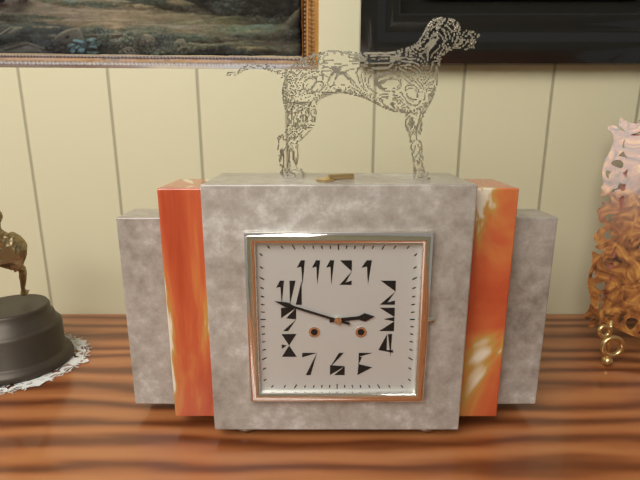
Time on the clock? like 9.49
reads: 2.48
